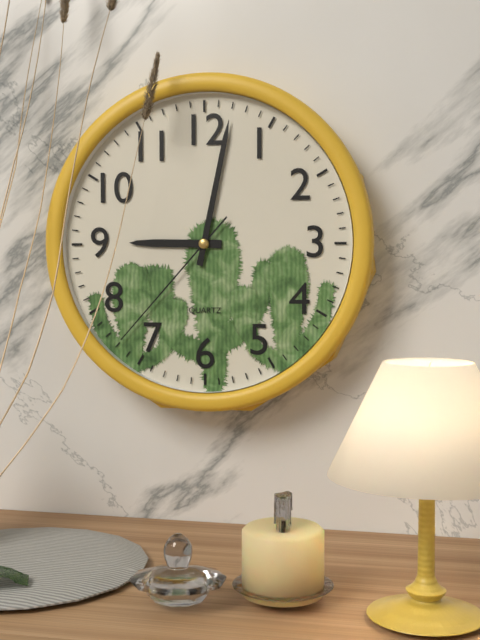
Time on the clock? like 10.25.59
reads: 9.02.37
